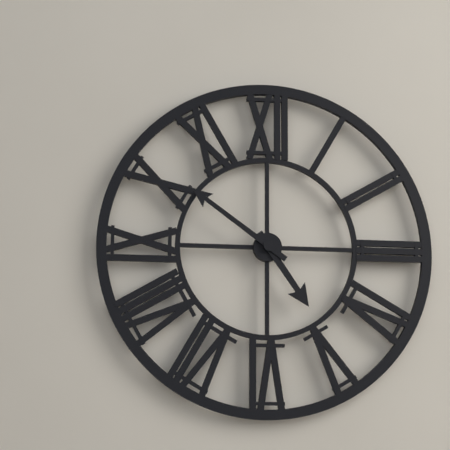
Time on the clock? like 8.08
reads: 4.51
